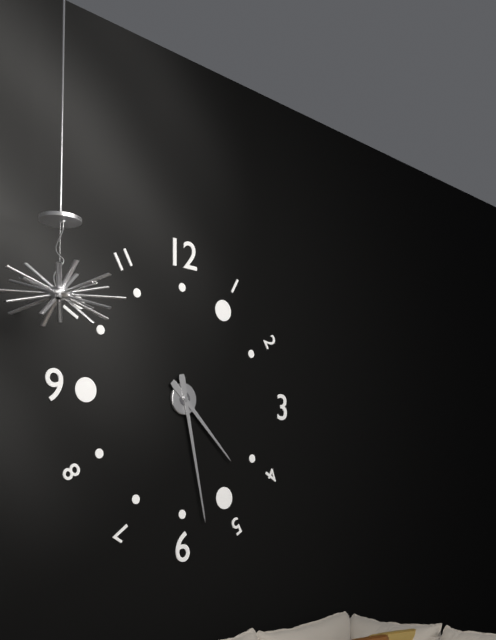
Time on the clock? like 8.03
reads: 4.28
